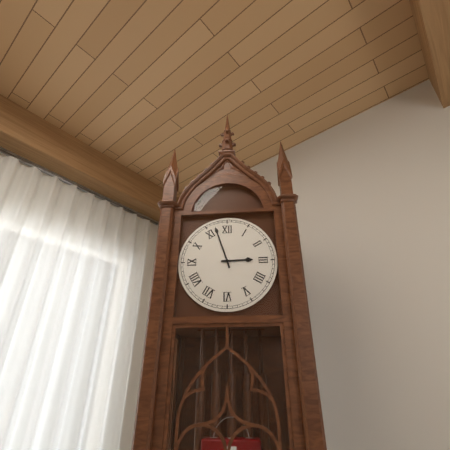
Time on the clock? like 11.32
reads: 2.57
